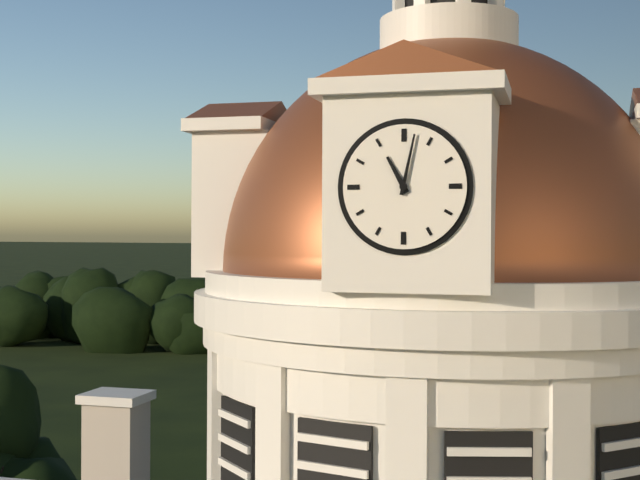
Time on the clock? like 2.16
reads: 11.02
